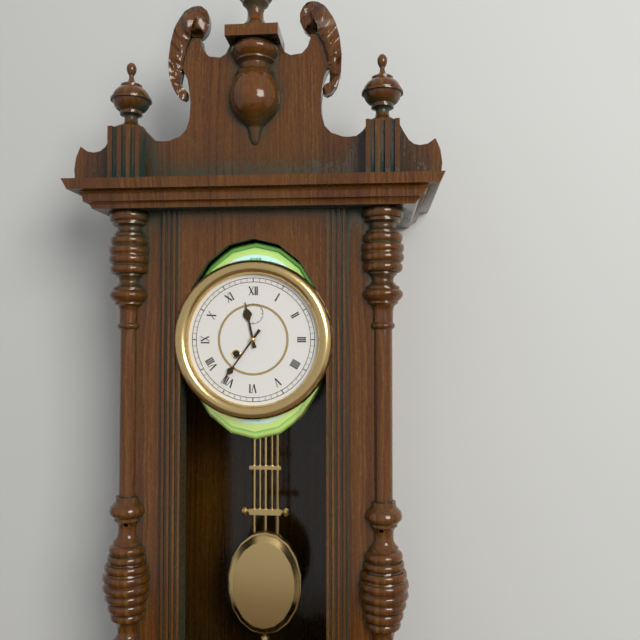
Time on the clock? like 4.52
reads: 11.36
